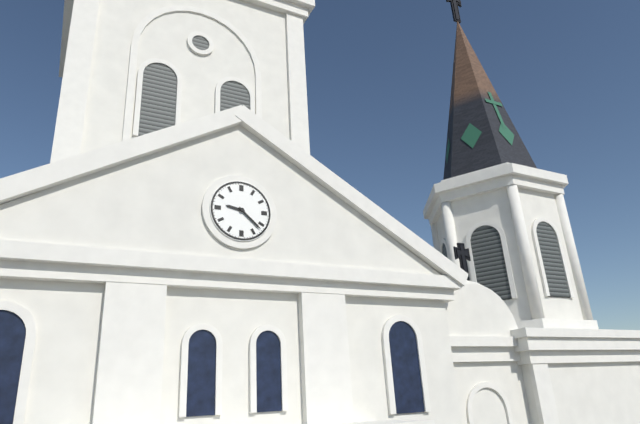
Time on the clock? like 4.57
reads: 9.22
